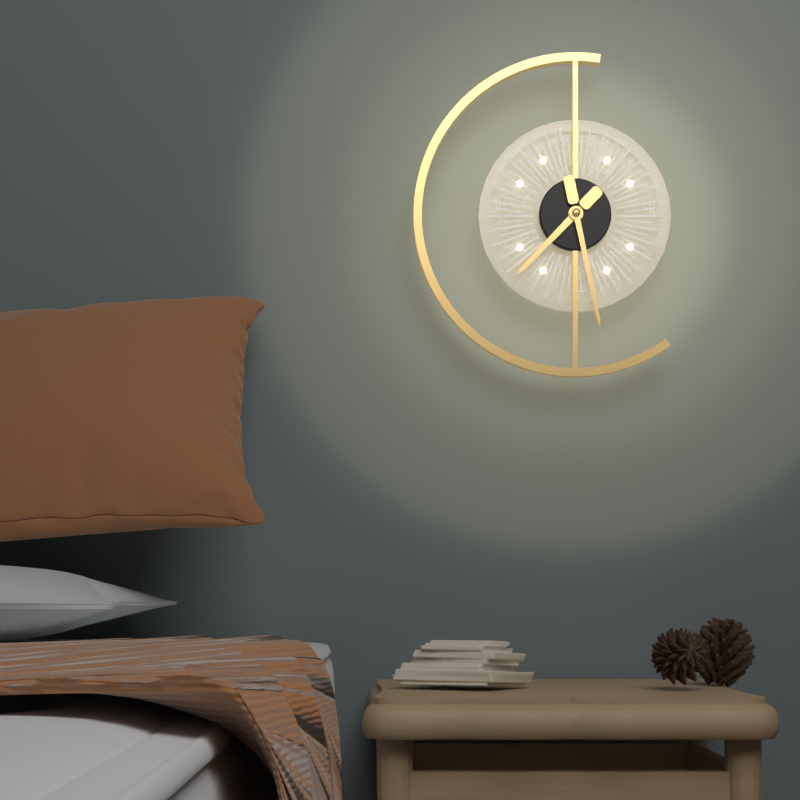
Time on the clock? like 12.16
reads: 7.28
